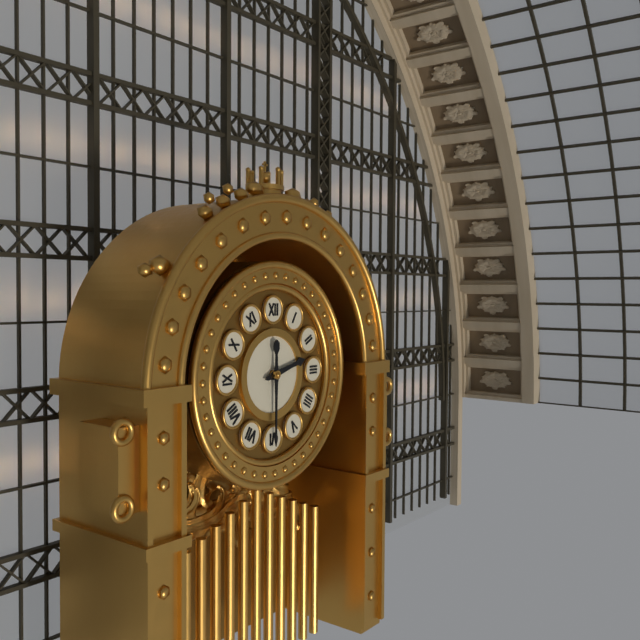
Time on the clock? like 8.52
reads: 2.30
